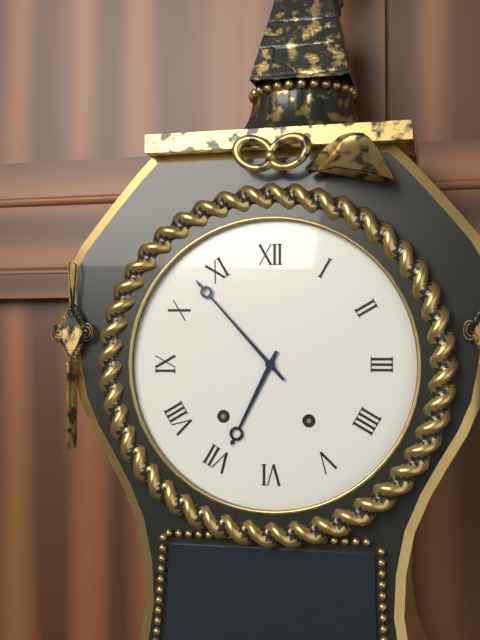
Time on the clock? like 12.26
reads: 6.53
